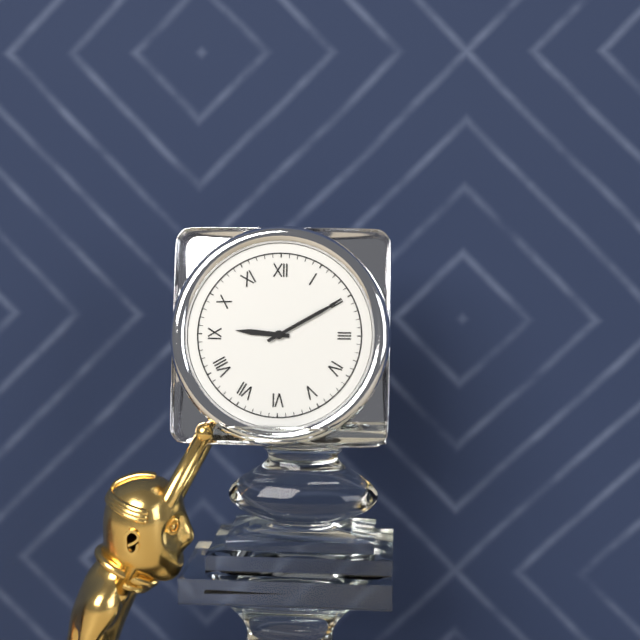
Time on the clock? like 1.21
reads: 9.10
